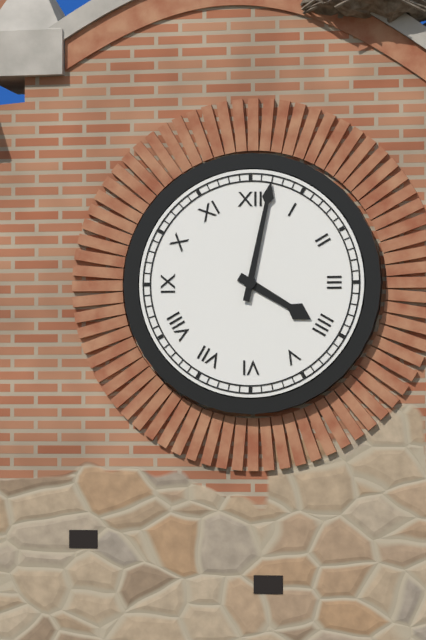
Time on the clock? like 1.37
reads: 4.02
